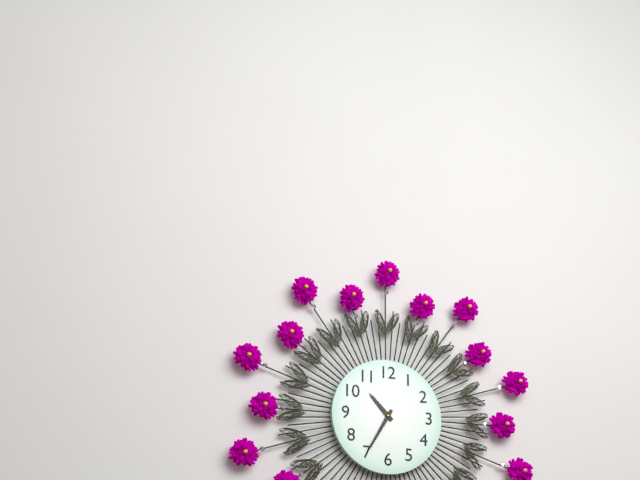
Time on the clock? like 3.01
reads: 10.35
